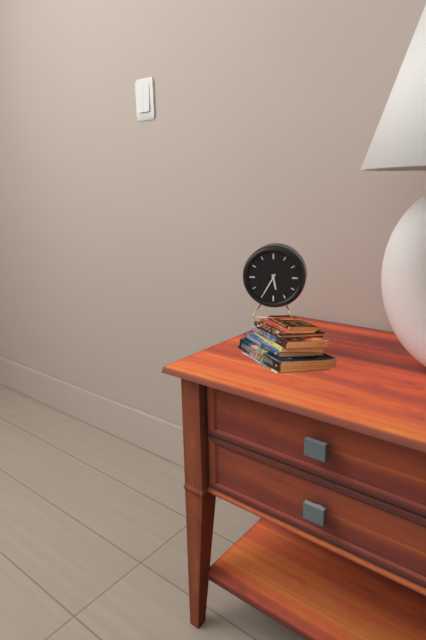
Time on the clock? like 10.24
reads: 5.35
